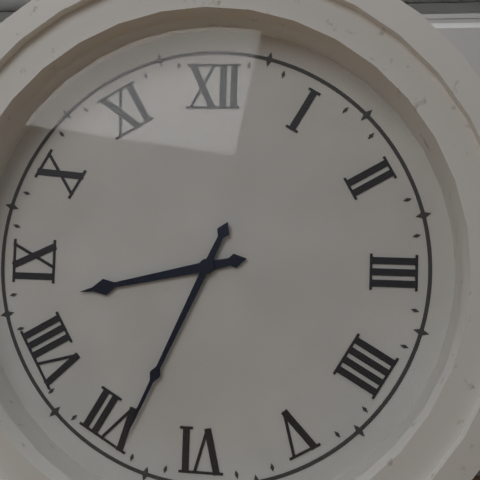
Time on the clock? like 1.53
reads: 8.34
